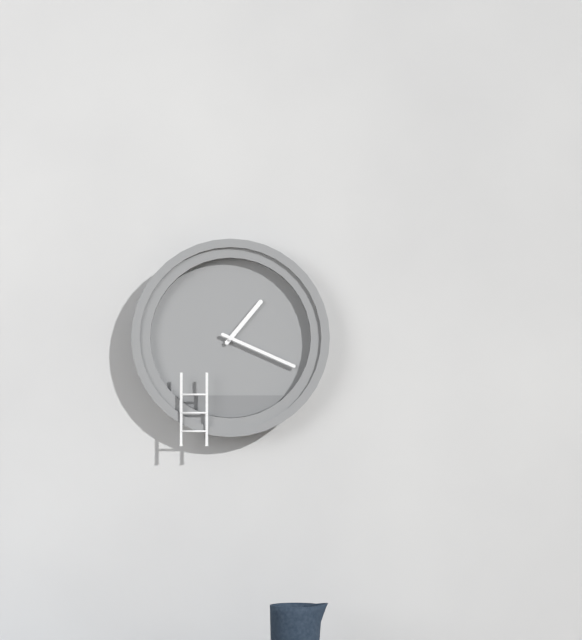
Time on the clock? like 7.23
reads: 1.19
